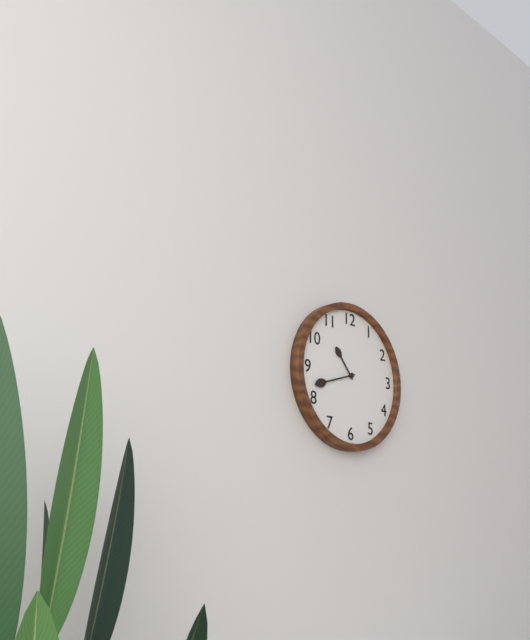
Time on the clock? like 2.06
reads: 10.42
